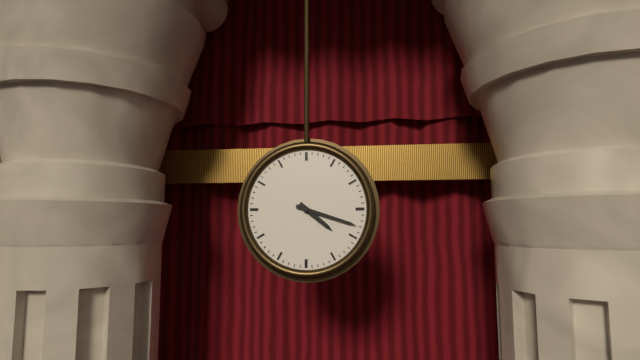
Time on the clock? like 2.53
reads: 4.18
